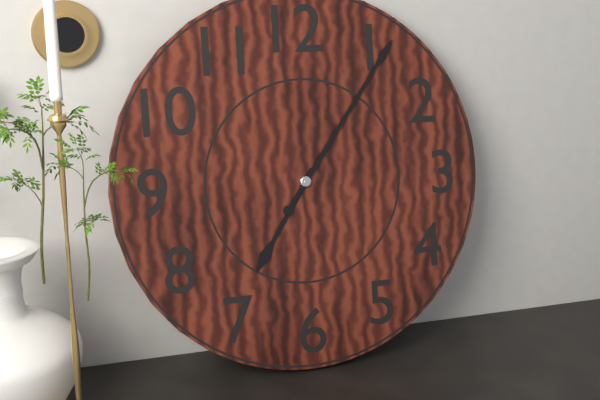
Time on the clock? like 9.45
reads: 7.06
